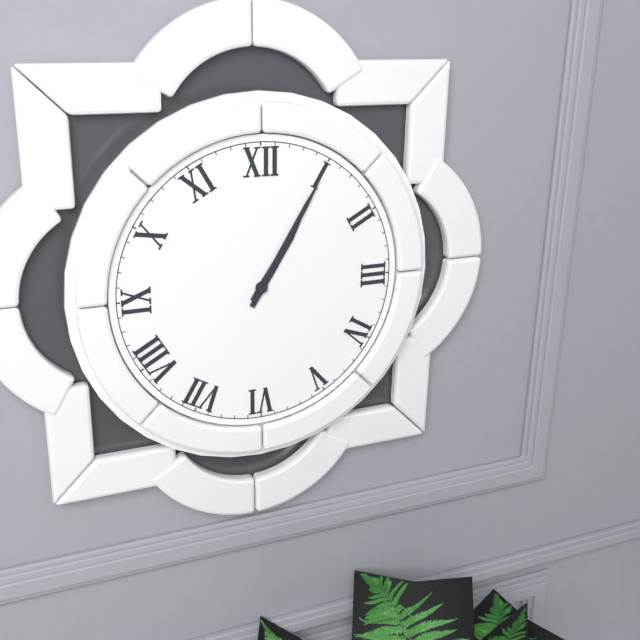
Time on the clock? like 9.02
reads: 1.05
